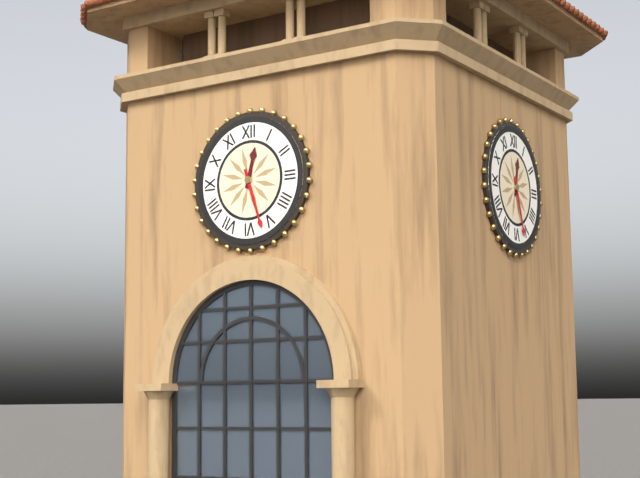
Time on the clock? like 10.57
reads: 12.27
